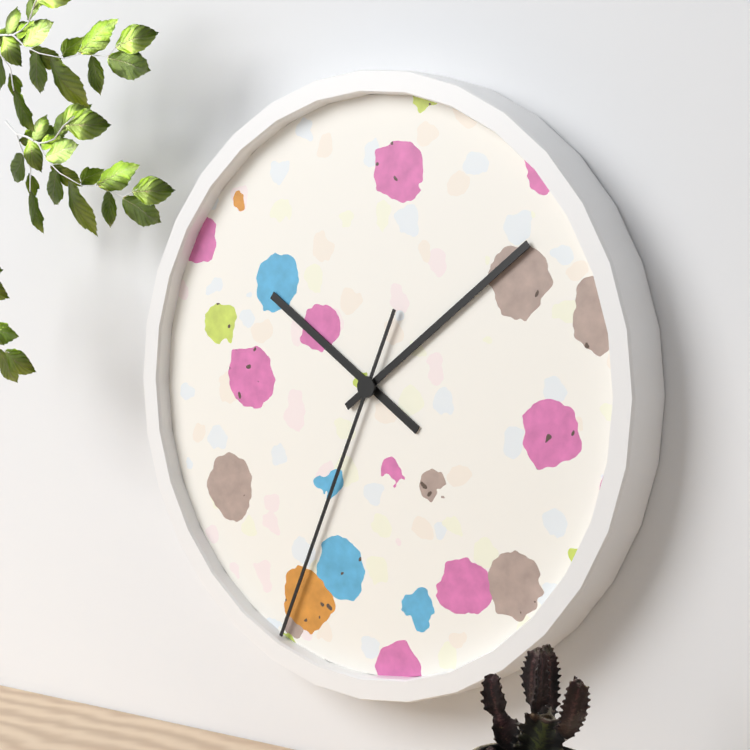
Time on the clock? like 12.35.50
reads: 10.09.34
